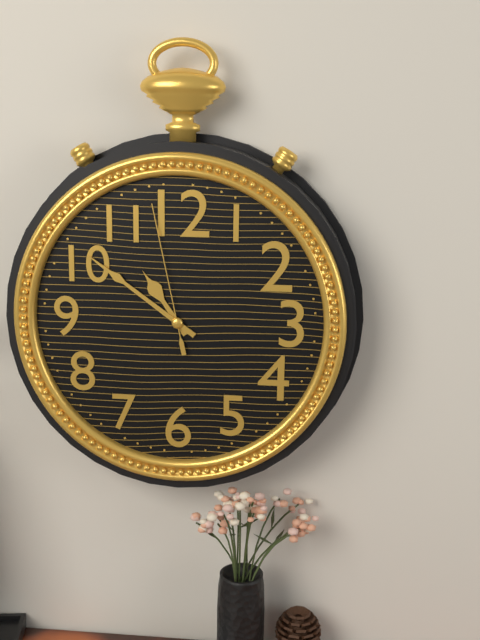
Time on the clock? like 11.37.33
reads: 10.51.58
